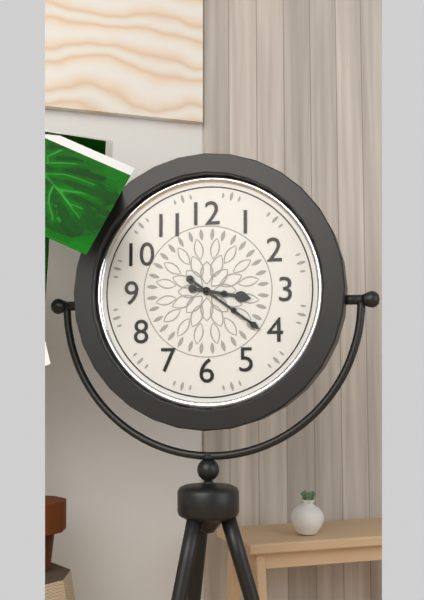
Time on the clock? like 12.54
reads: 3.21
